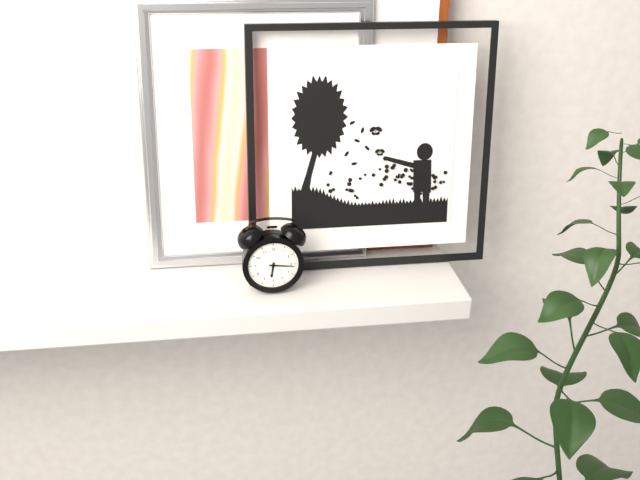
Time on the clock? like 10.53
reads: 6.16
